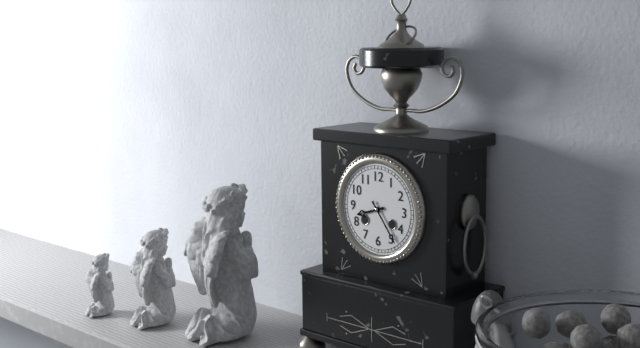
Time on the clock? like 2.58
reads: 8.24
